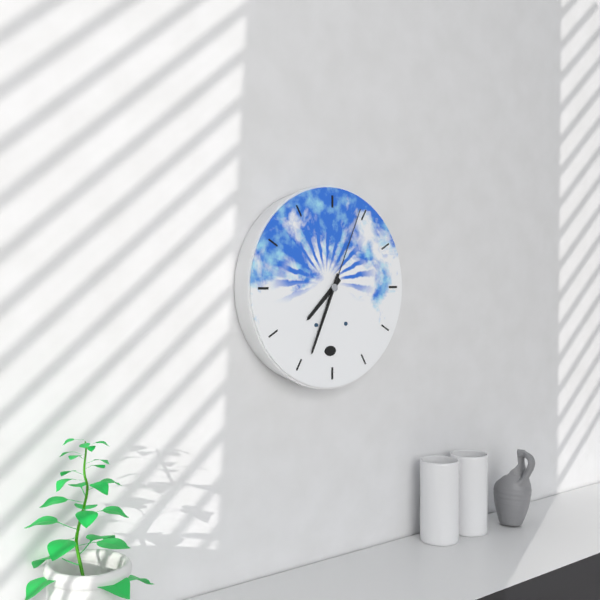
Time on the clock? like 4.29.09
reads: 7.34.04
